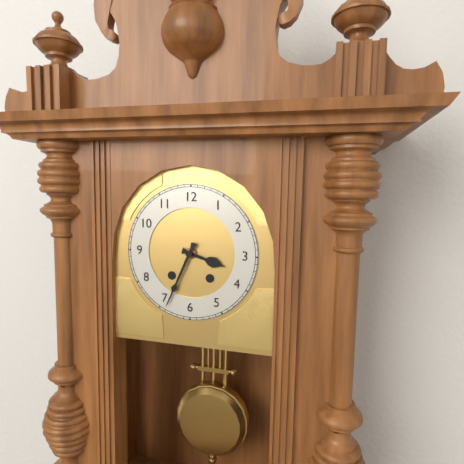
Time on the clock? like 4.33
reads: 3.34
